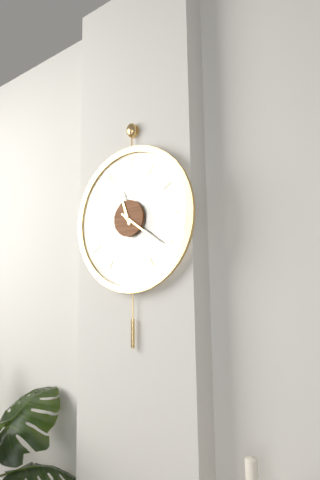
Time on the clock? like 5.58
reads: 11.21
